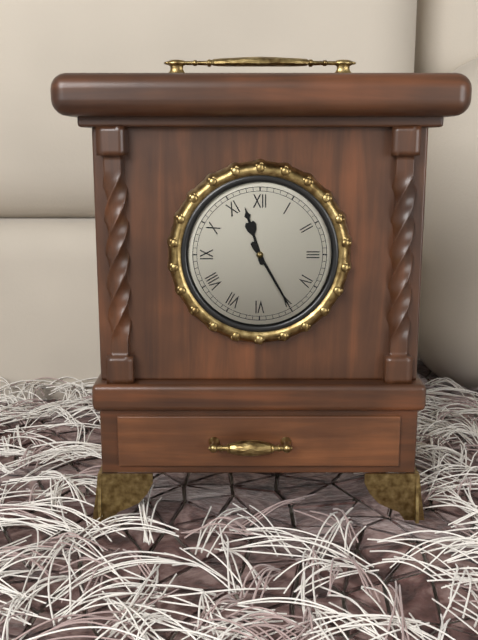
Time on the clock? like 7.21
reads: 11.25
